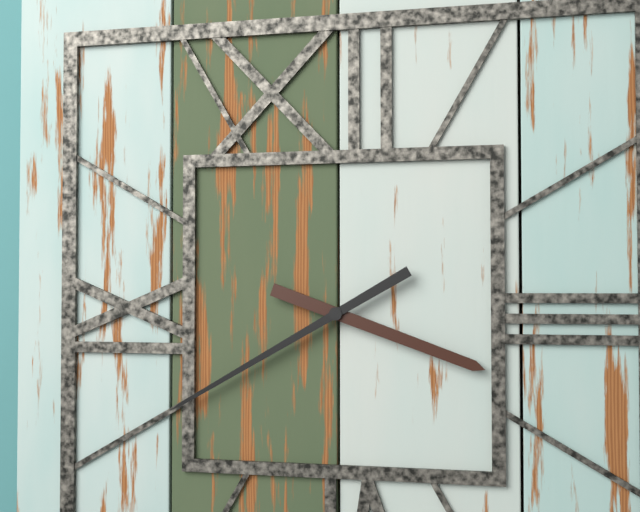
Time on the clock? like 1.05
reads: 3.40
